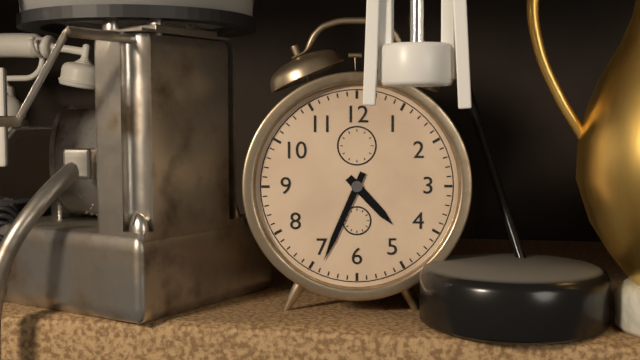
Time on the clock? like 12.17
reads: 4.34
